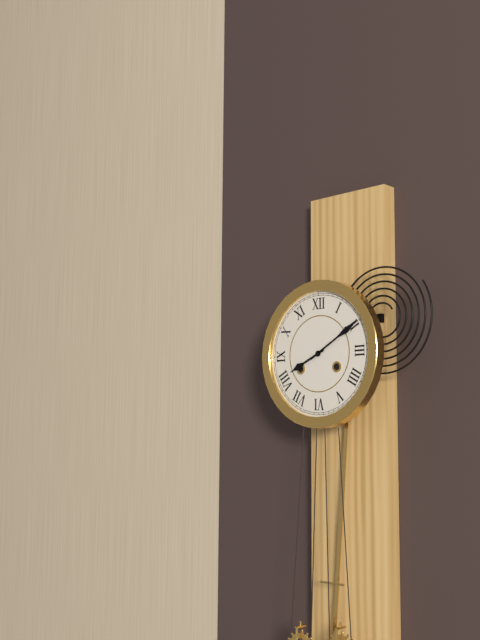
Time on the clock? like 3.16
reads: 8.10
